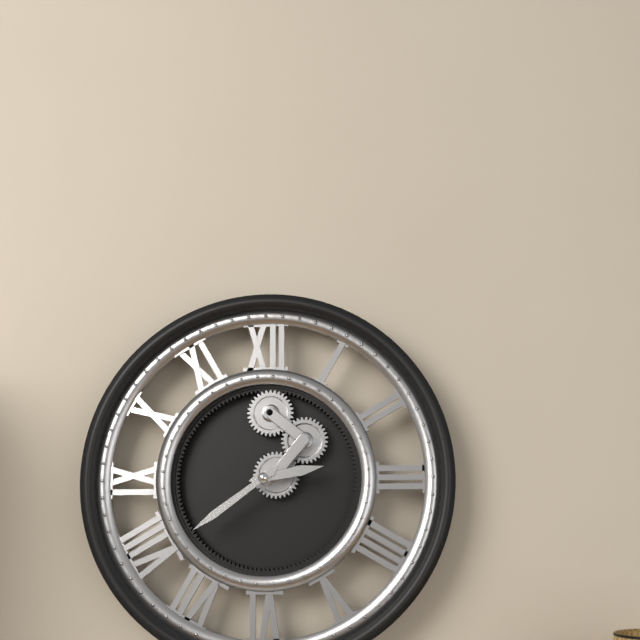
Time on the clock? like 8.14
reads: 2.39
